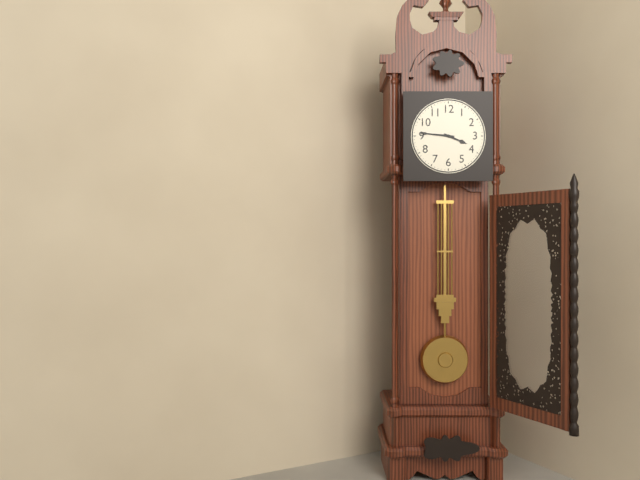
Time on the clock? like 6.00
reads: 3.46
